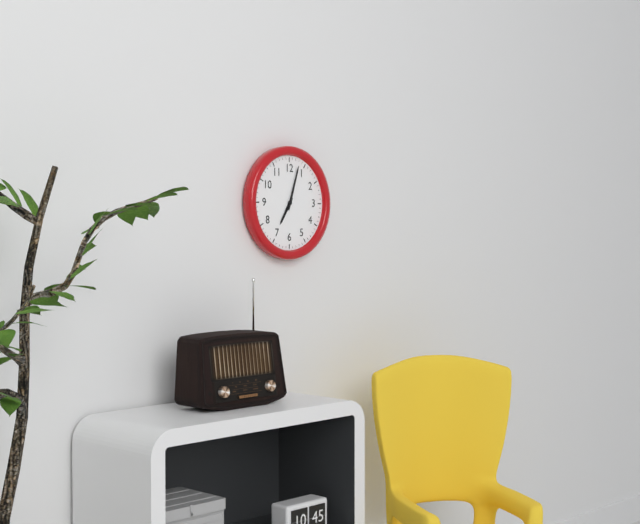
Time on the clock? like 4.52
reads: 7.03
